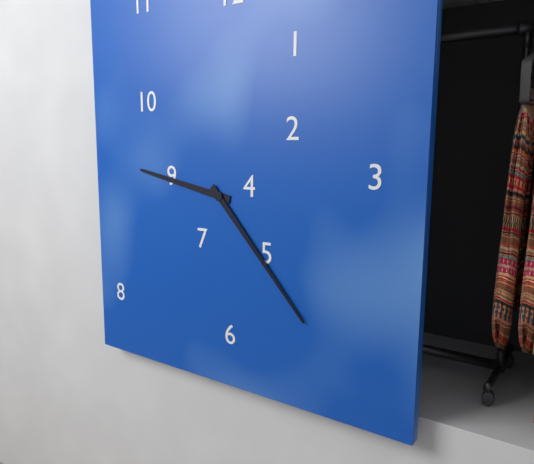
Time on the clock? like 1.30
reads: 9.23
